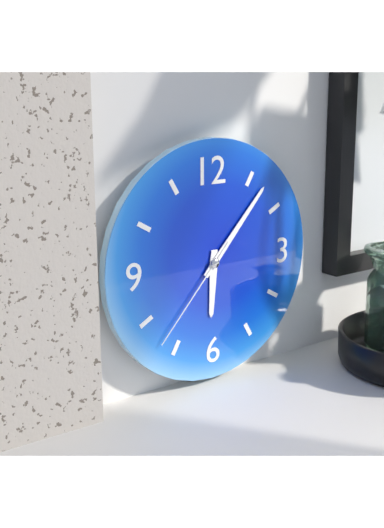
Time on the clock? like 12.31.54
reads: 6.07.37
